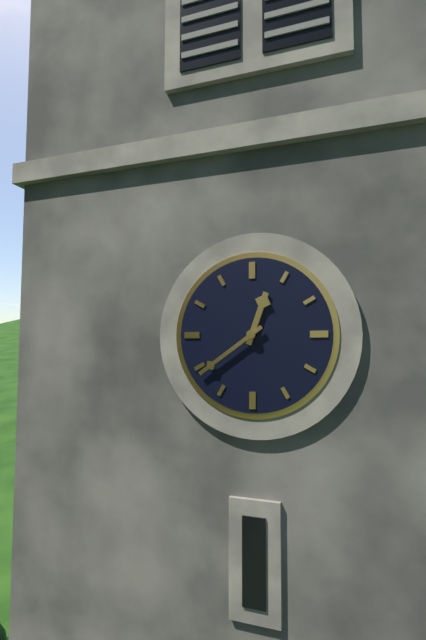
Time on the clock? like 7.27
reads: 12.39
